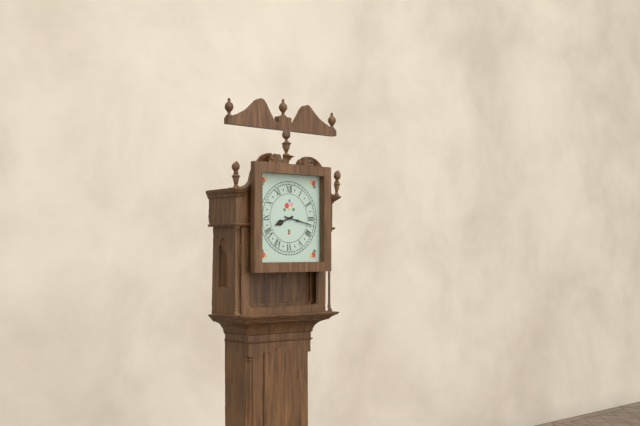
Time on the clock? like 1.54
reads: 8.17
